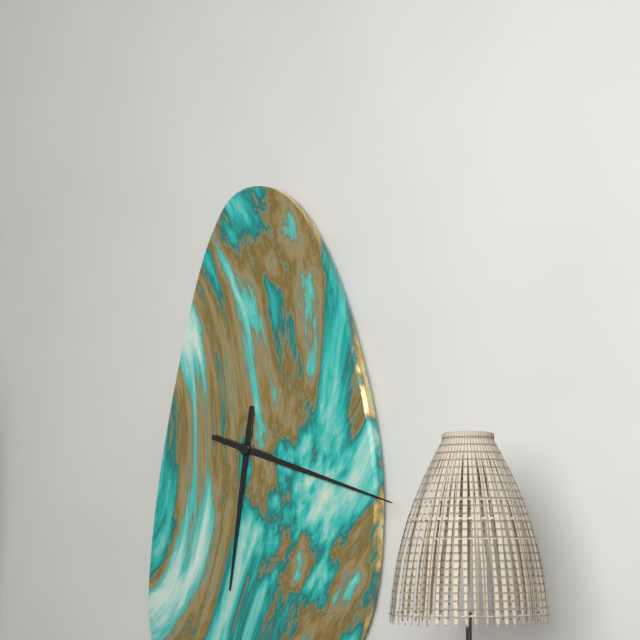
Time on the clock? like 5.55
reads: 6.18
